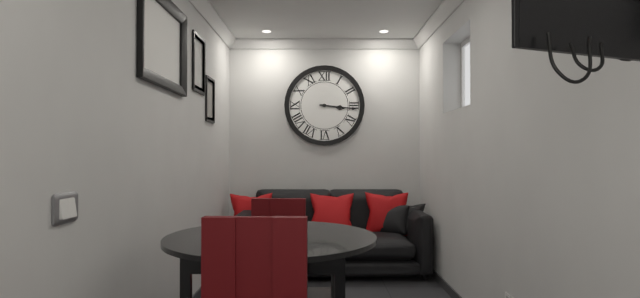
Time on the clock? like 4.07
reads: 3.16
